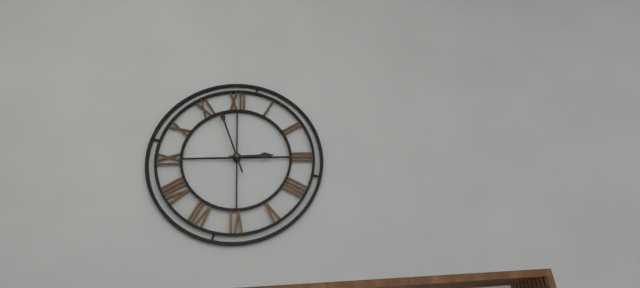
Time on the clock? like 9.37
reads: 2.57
